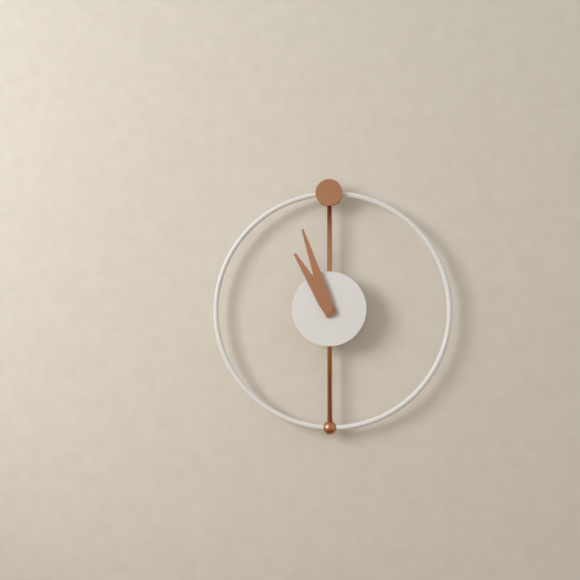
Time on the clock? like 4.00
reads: 10.57
